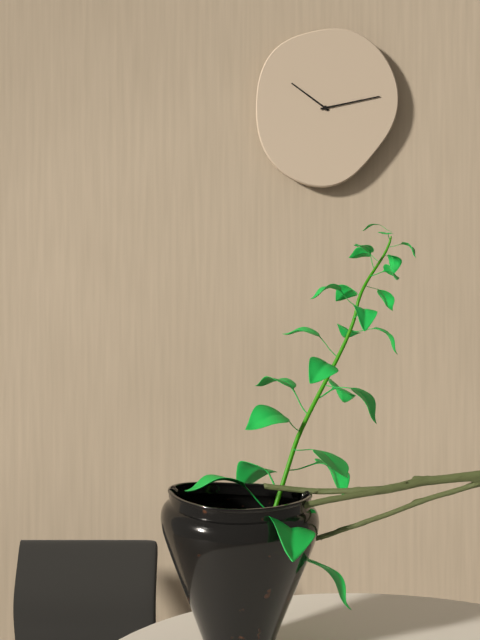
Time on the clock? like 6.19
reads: 10.13
